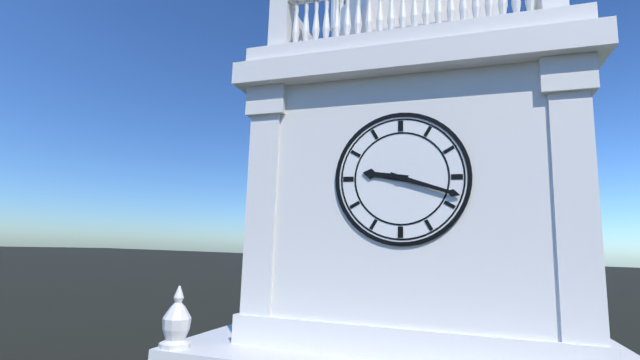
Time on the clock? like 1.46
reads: 9.18
